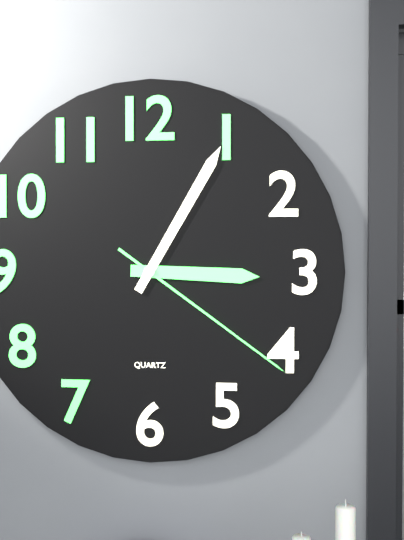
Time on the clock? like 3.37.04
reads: 3.05.21
